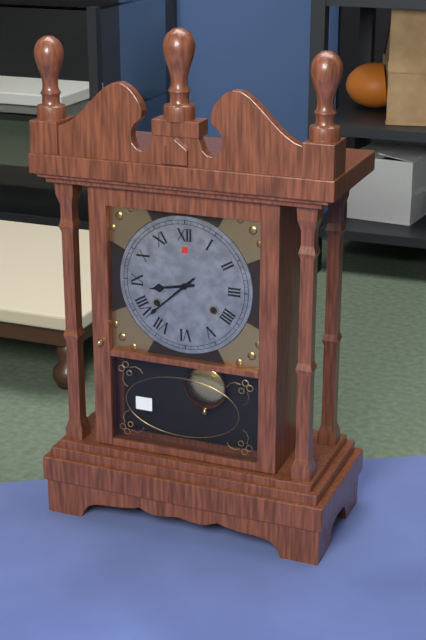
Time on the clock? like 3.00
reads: 8.38
